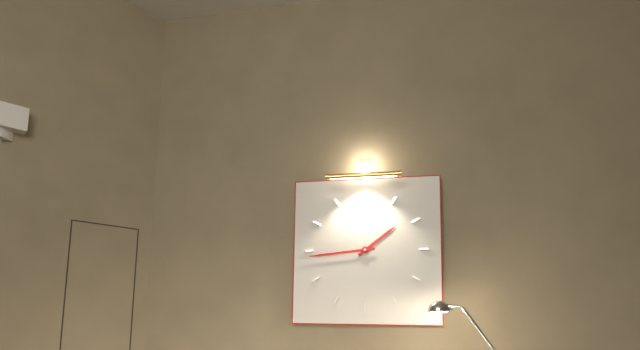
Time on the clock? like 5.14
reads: 1.44
